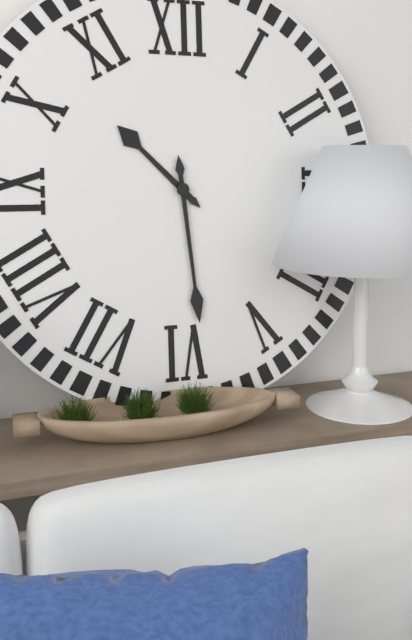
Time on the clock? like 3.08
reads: 10.29
